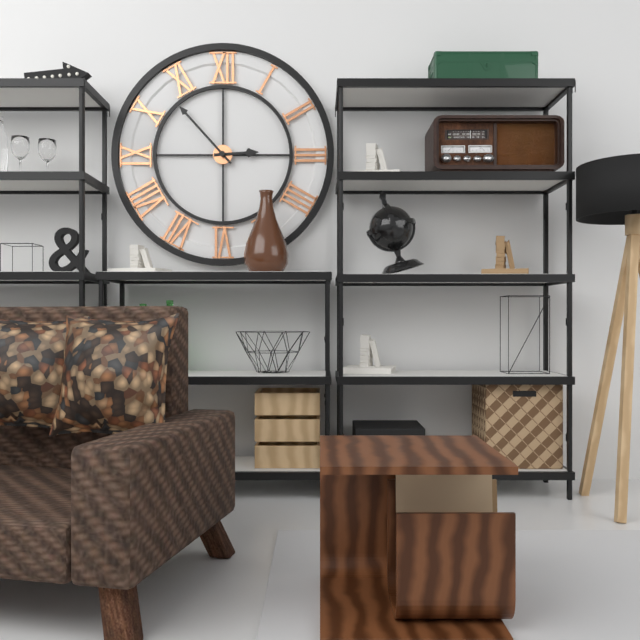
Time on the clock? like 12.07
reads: 2.53
